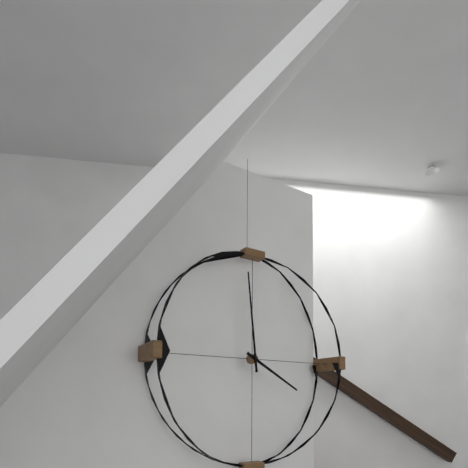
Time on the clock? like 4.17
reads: 3.59
